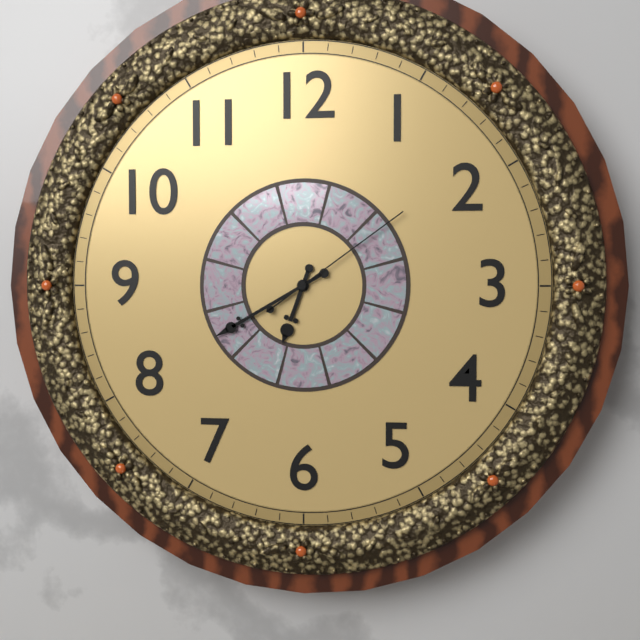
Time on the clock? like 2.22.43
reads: 6.40.09
